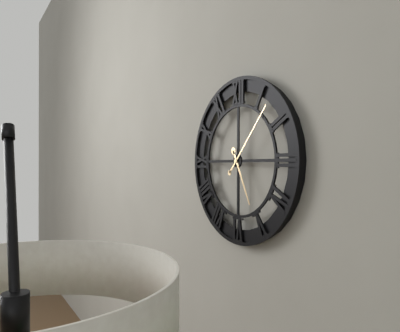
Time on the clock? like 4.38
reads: 5.07
